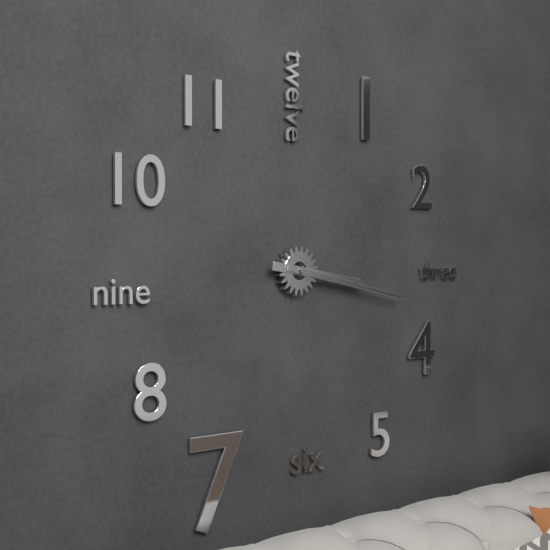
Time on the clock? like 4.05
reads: 3.17
